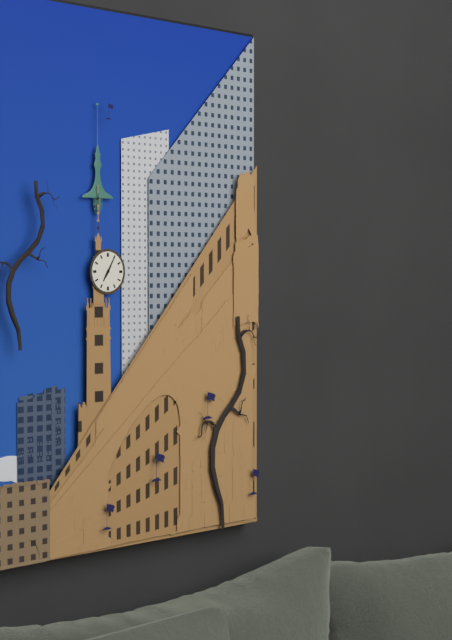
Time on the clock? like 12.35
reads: 7.05
